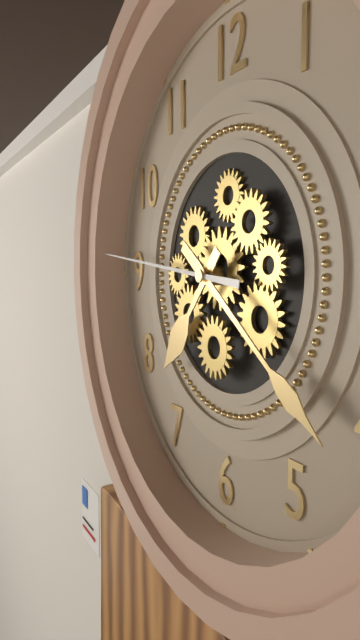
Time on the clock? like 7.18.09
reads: 7.21.46
